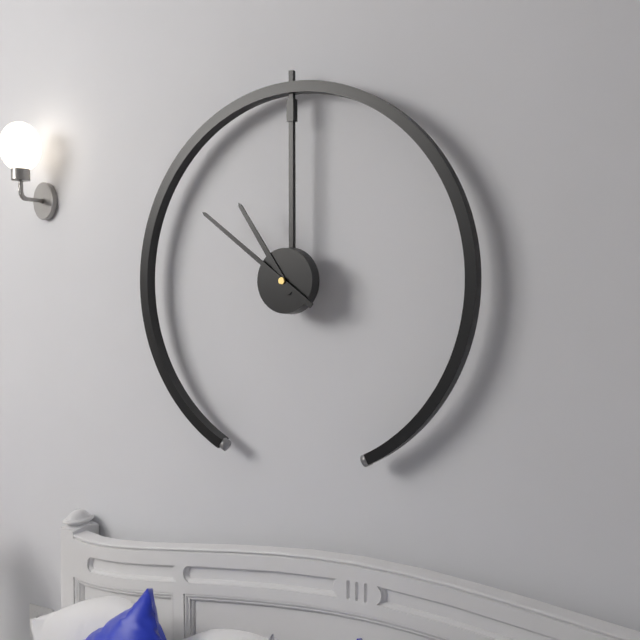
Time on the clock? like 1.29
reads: 10.51
